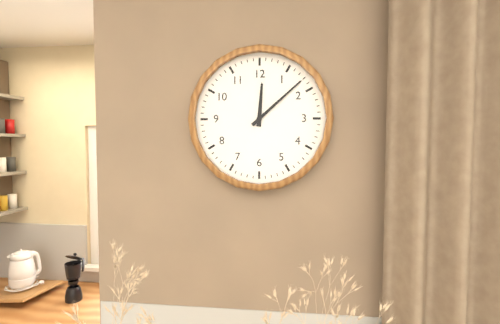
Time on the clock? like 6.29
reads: 12.08
